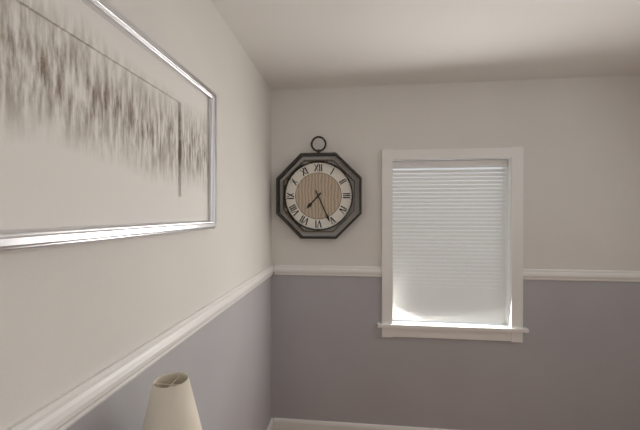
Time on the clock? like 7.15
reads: 7.26
